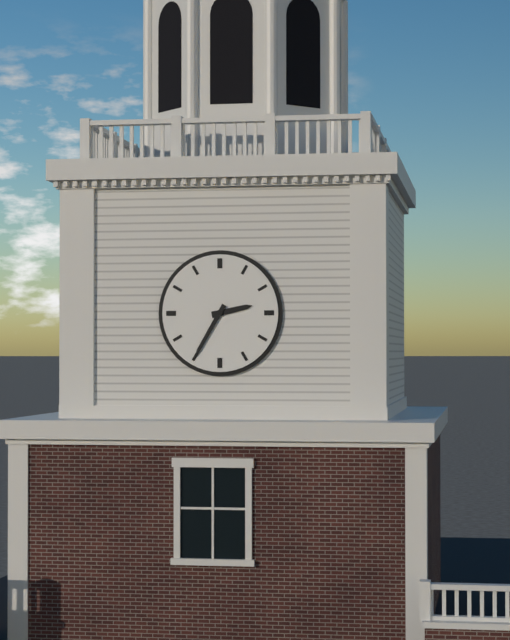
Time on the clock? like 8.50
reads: 2.35
